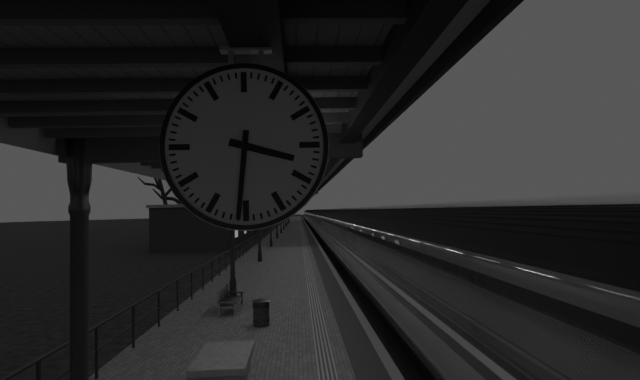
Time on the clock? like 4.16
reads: 3.31
